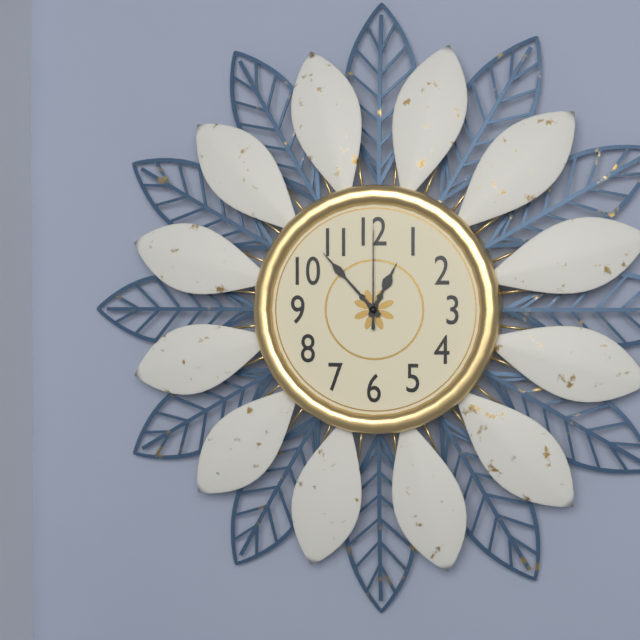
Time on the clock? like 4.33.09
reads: 12.53.00
